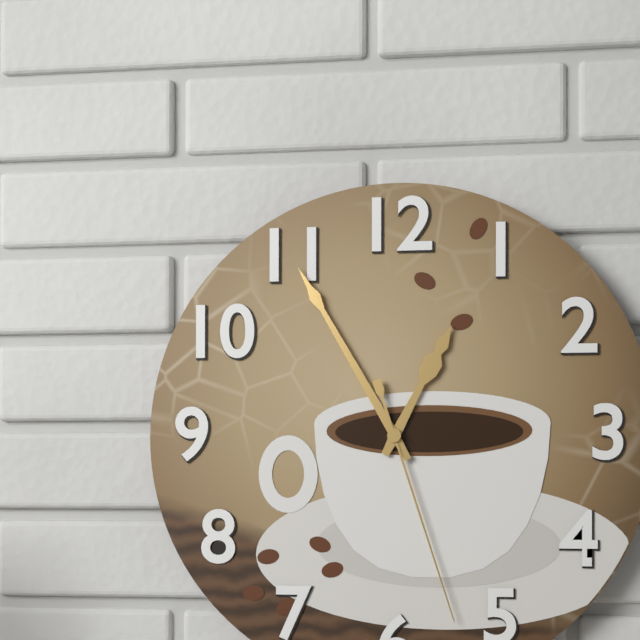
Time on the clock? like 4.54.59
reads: 12.55.27
